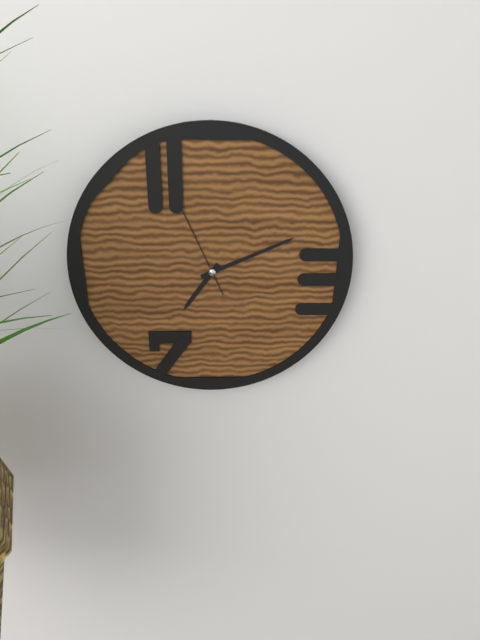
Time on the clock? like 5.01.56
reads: 7.11.56
